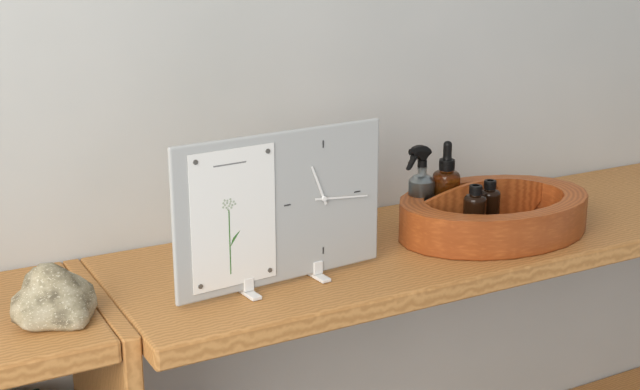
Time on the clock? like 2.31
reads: 11.16
